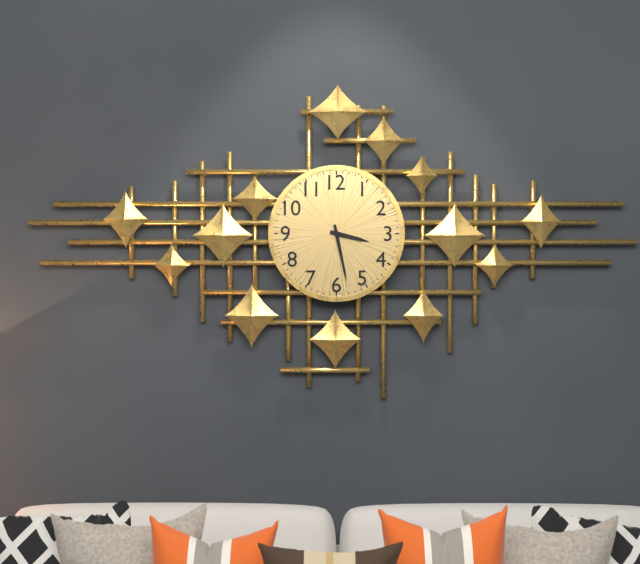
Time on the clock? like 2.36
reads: 3.28
